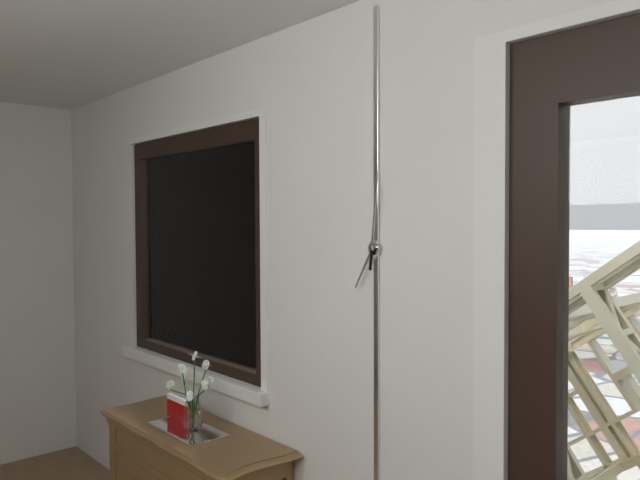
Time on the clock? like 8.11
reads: 7.01
